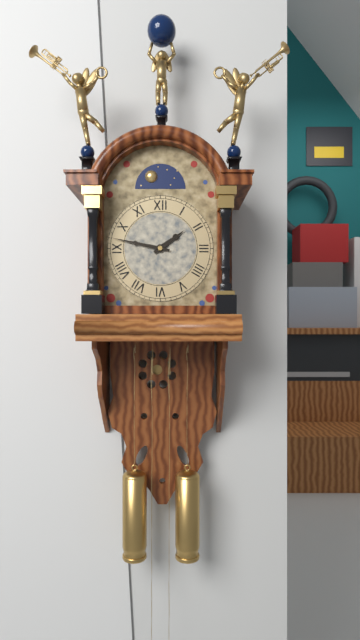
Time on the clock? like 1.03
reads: 1.47
